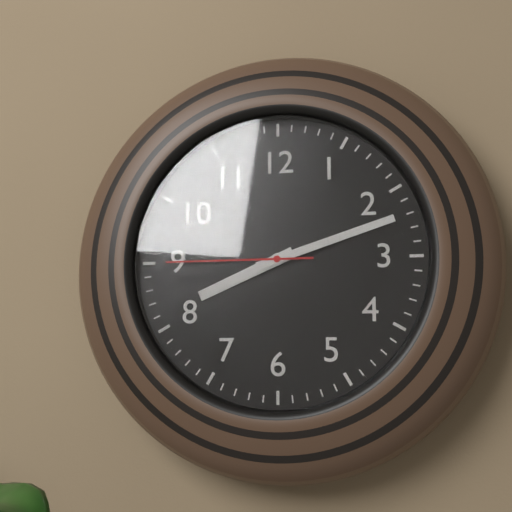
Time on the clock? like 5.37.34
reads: 8.12.45
